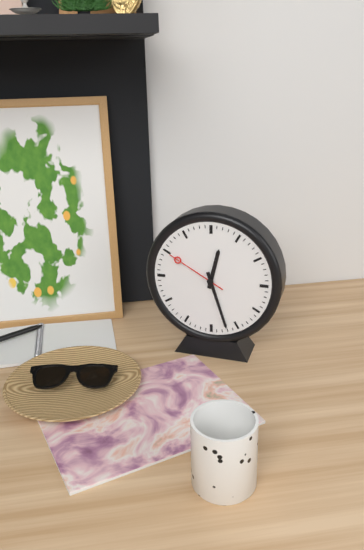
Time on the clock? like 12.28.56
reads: 12.27.50
